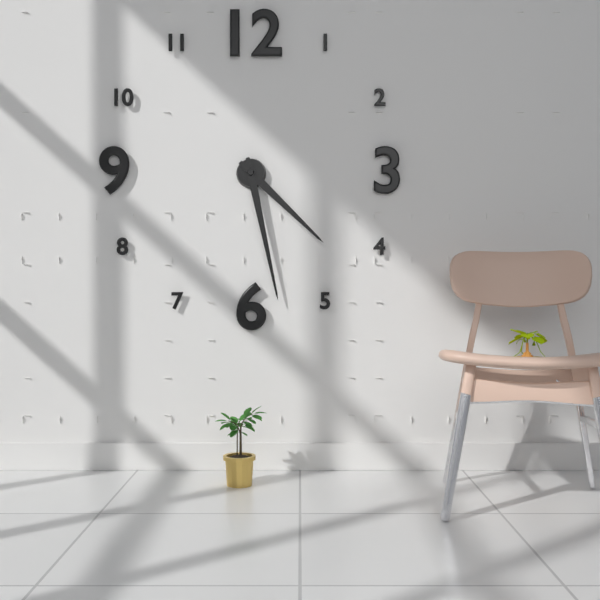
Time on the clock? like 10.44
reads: 4.28
